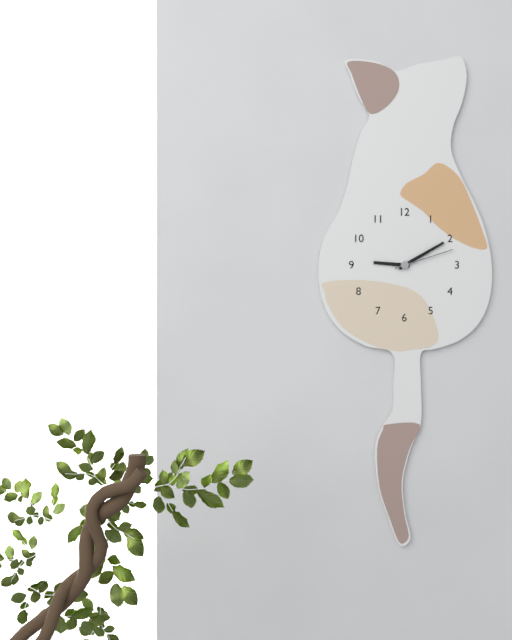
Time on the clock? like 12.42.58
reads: 9.10.12
